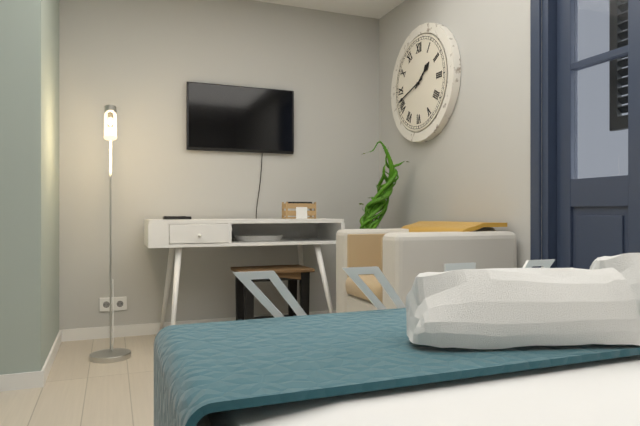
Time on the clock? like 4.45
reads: 1.42
